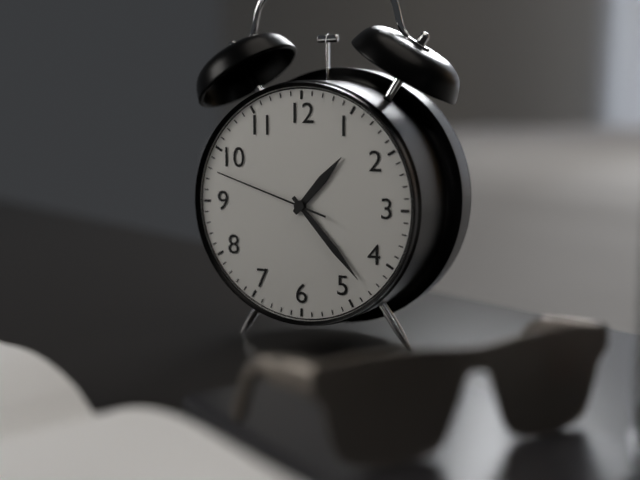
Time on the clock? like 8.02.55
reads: 1.23.48
